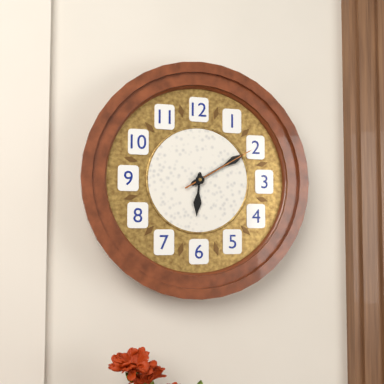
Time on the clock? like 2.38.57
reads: 6.10.10
